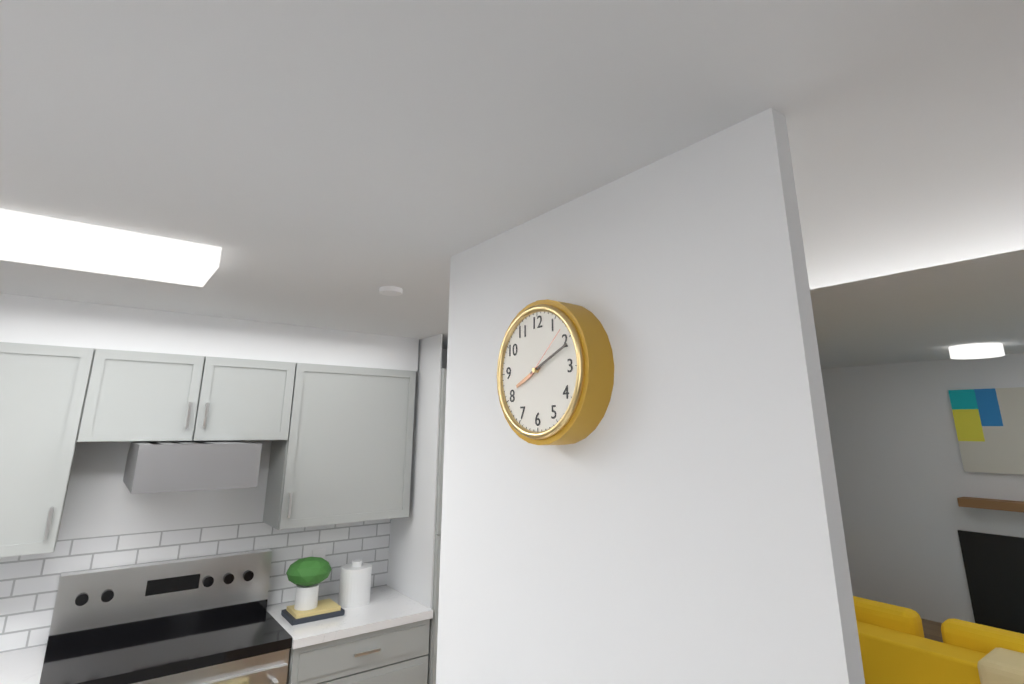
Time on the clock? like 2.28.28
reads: 8.11.08
